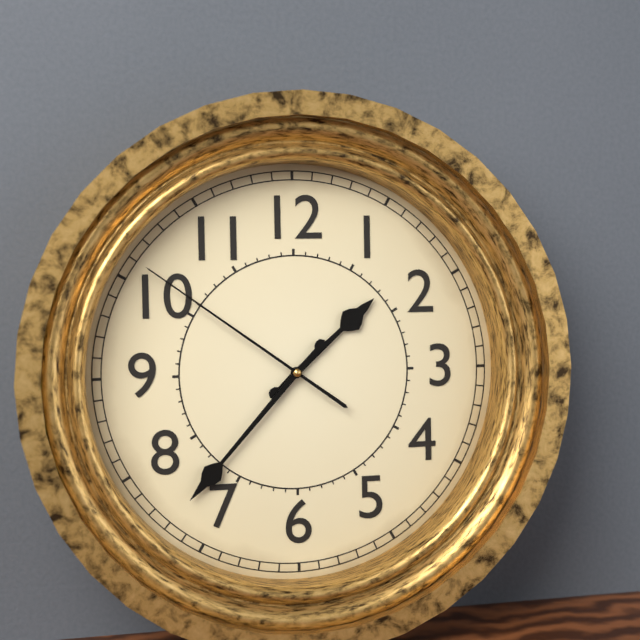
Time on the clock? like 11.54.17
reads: 1.37.51
